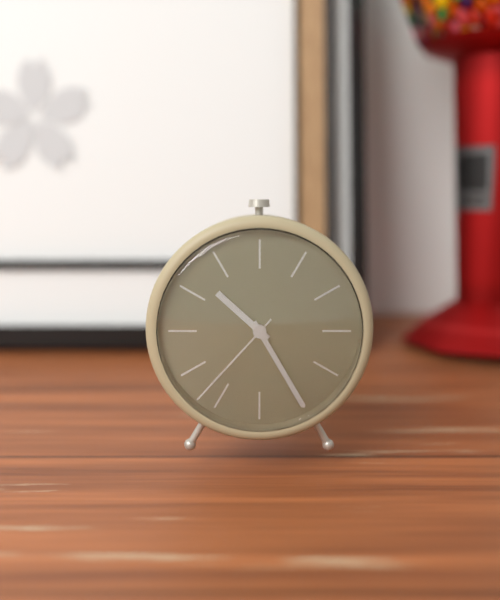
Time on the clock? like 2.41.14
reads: 10.25.37
